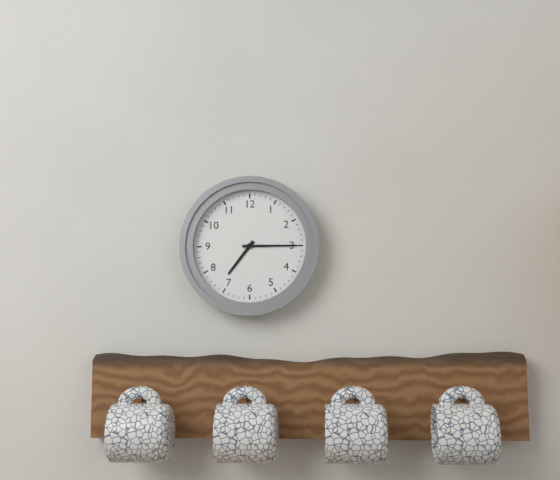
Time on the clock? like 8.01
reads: 7.15
